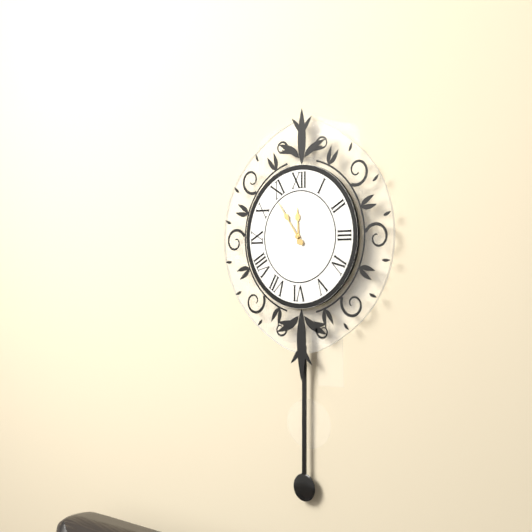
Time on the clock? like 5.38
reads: 11.54
